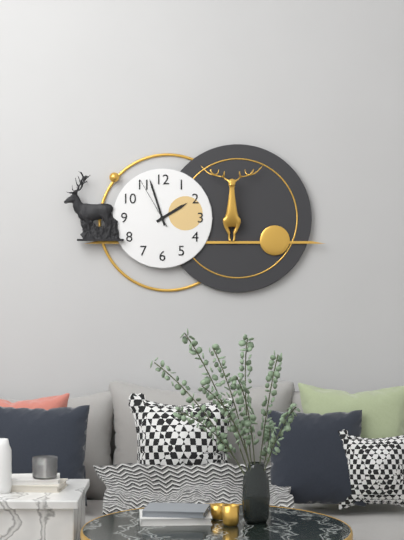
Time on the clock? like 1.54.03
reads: 1.57.55
